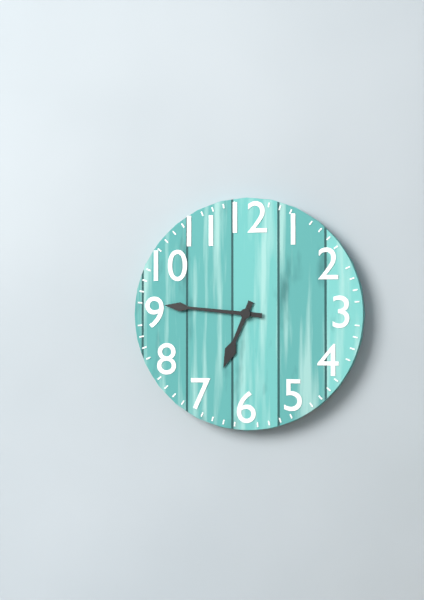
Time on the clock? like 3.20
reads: 6.46
